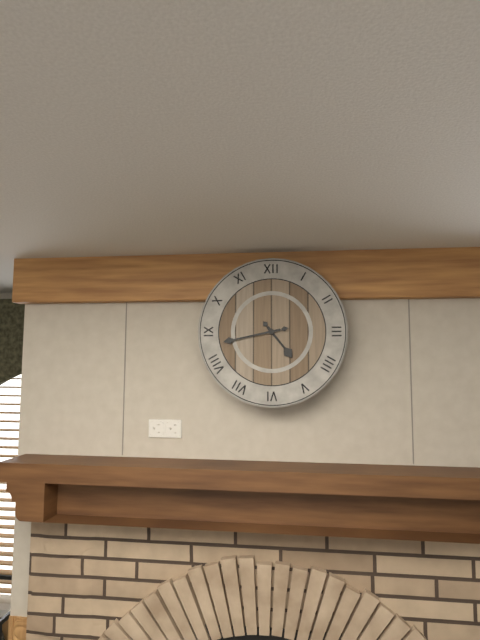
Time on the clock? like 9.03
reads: 4.43
